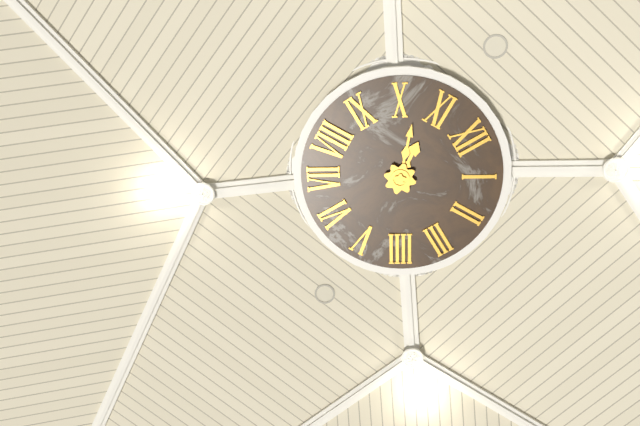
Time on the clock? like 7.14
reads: 10.52
